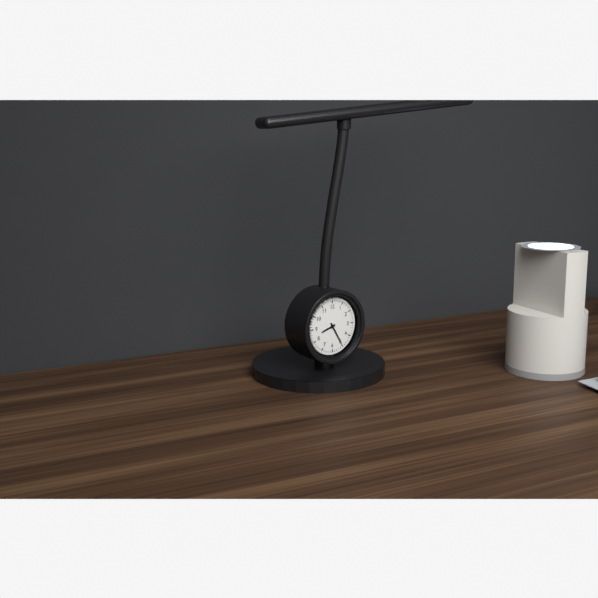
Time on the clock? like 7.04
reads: 8.25
